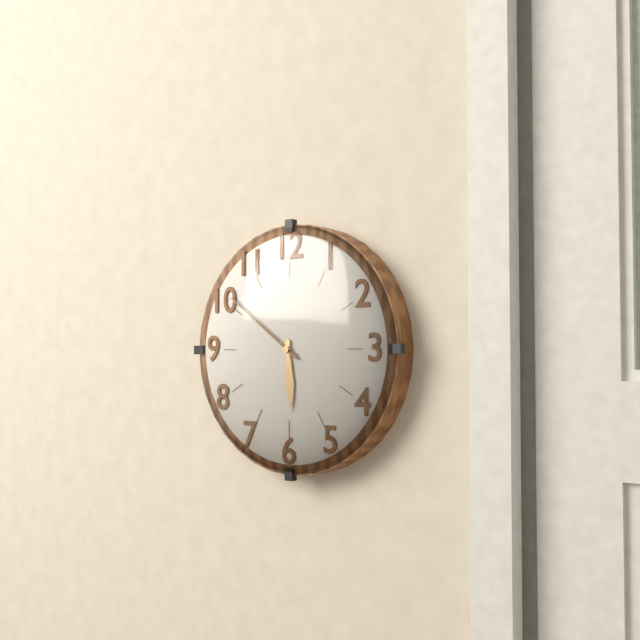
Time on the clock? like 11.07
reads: 5.51
